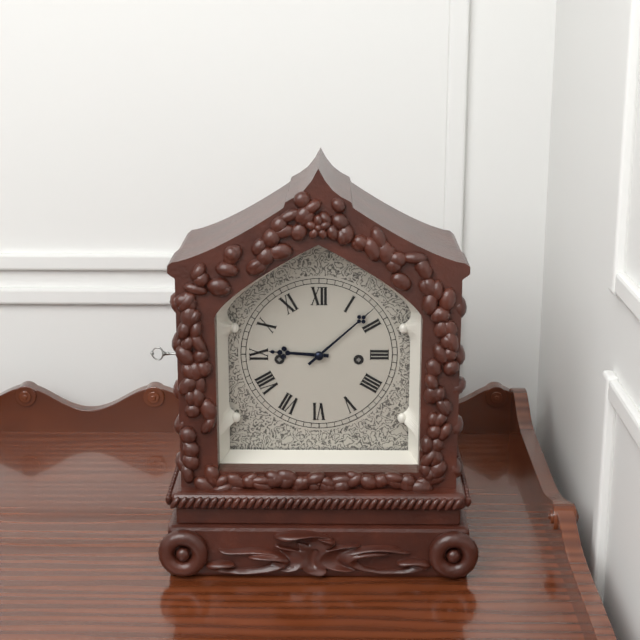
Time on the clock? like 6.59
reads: 9.08
